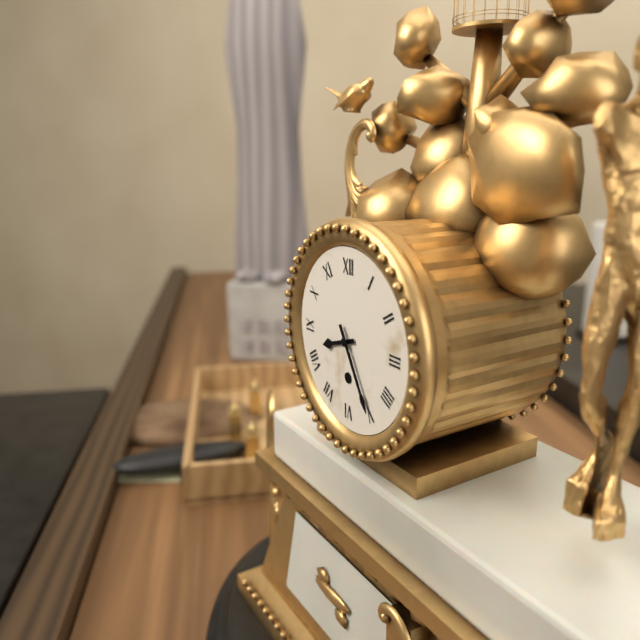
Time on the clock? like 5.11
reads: 8.25
